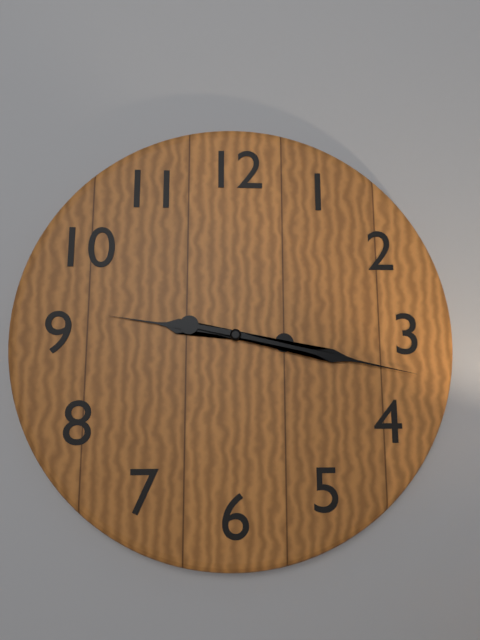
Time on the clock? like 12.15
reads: 9.17
